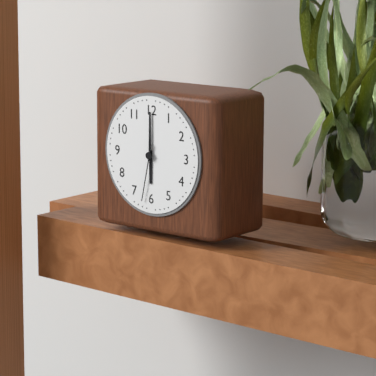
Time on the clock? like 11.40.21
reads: 6.00.32
